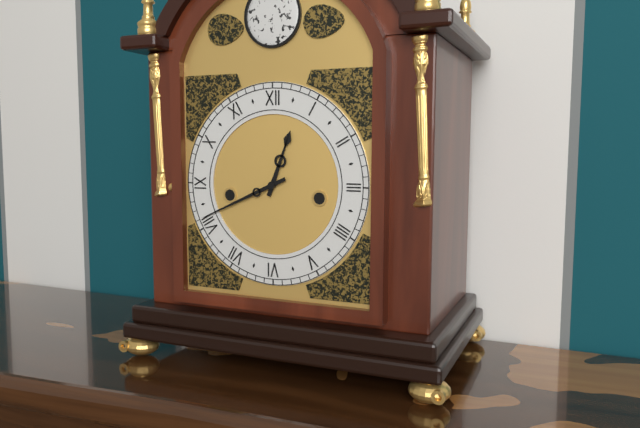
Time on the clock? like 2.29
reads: 12.41
